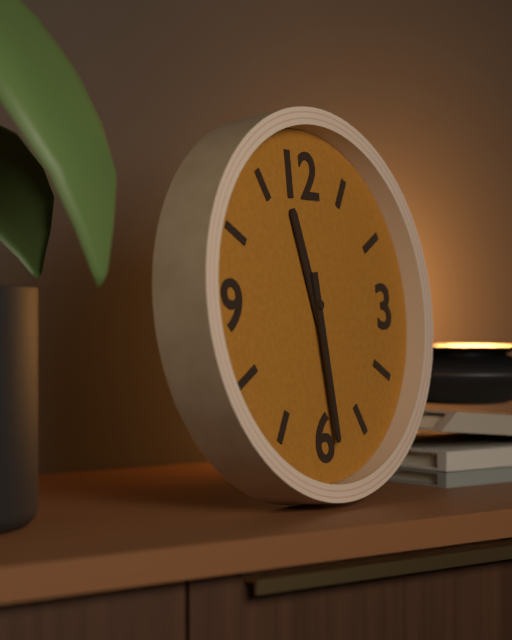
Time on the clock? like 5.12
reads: 11.29
